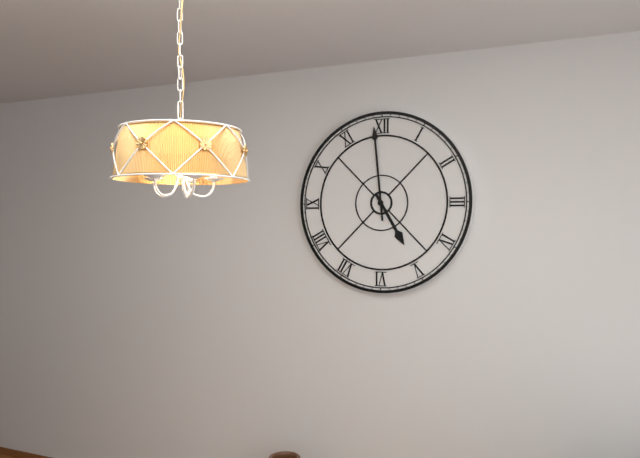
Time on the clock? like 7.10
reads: 4.59
